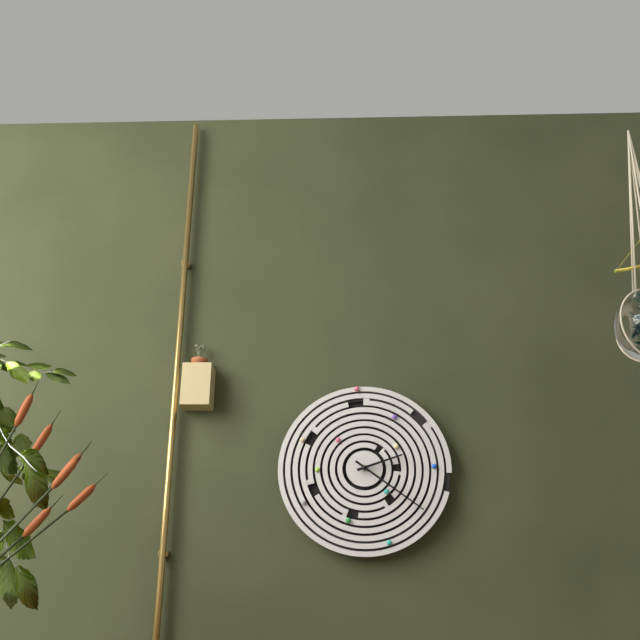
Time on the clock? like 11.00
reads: 2.21
